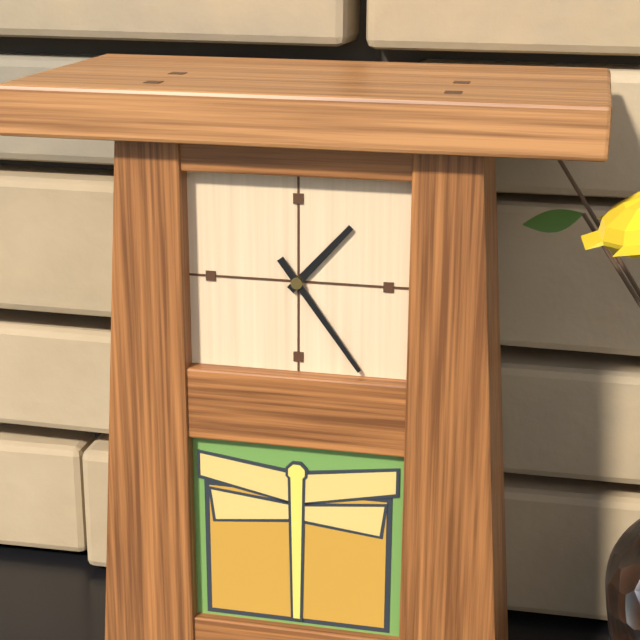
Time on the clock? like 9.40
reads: 1.24
